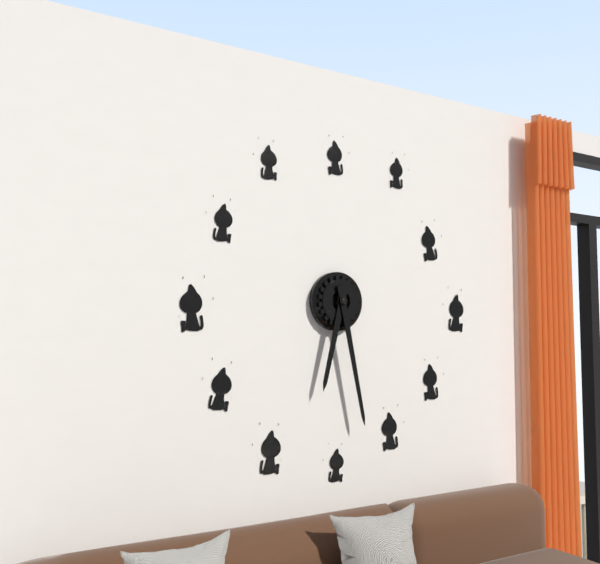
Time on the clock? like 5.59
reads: 6.28
